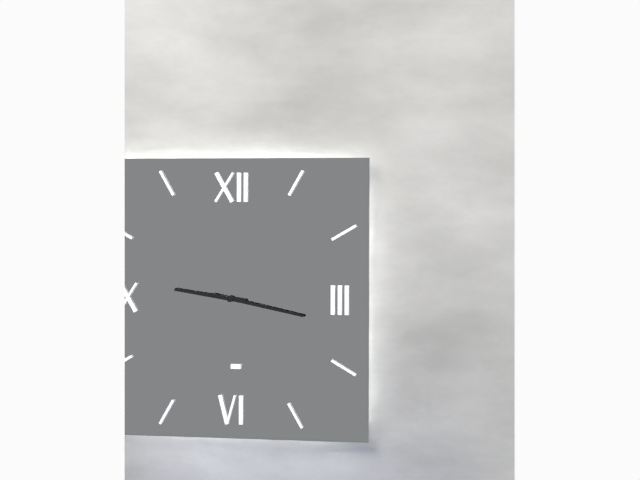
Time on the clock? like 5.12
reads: 9.17
